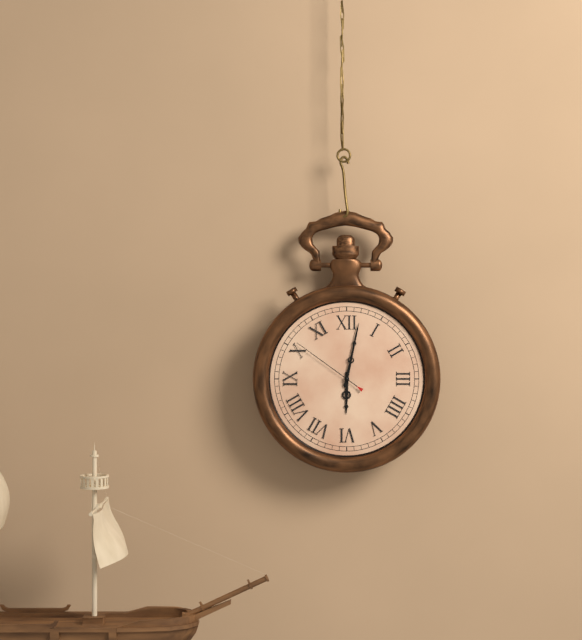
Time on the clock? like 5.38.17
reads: 6.02.51
